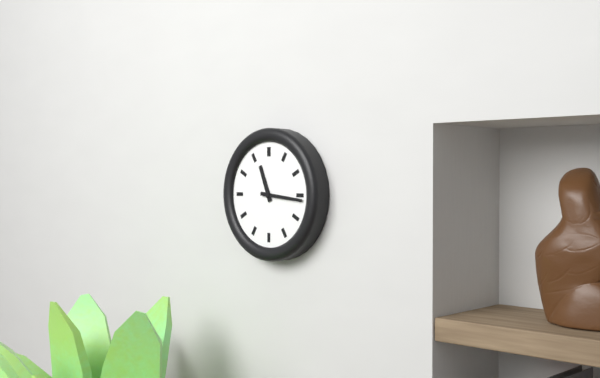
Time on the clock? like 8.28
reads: 11.16
